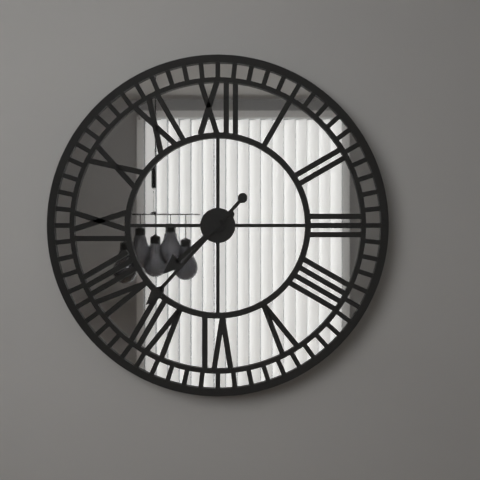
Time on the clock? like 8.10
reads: 7.37
